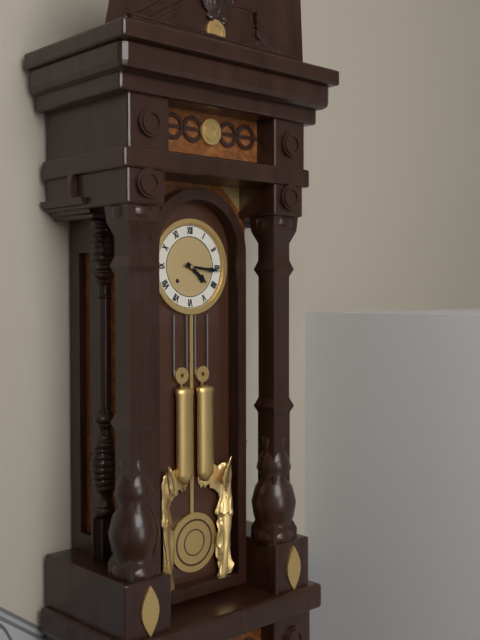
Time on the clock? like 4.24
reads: 4.16
